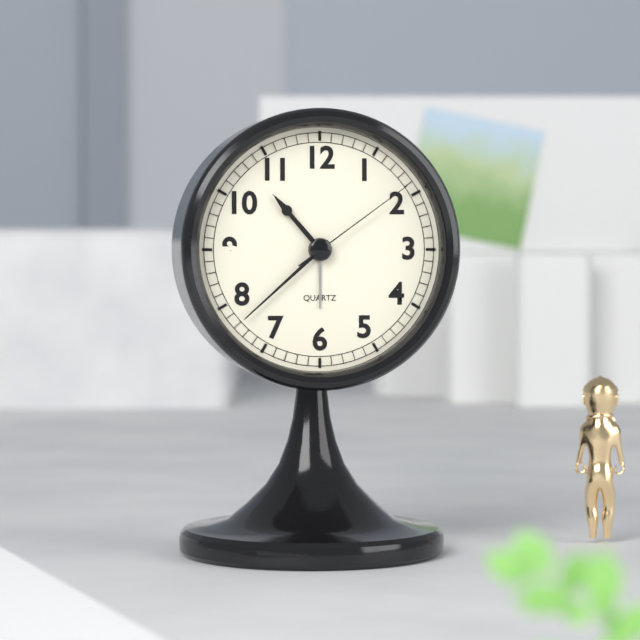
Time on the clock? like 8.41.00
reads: 10.38.09
